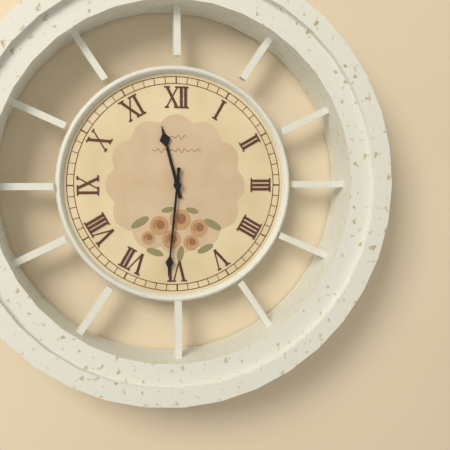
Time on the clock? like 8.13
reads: 11.31
